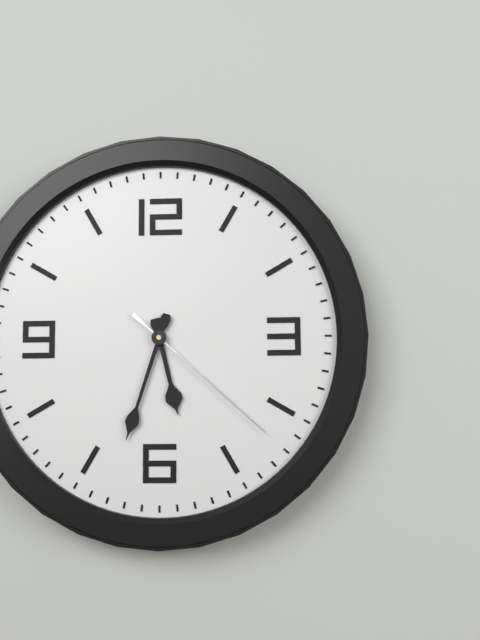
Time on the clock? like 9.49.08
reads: 5.33.22
